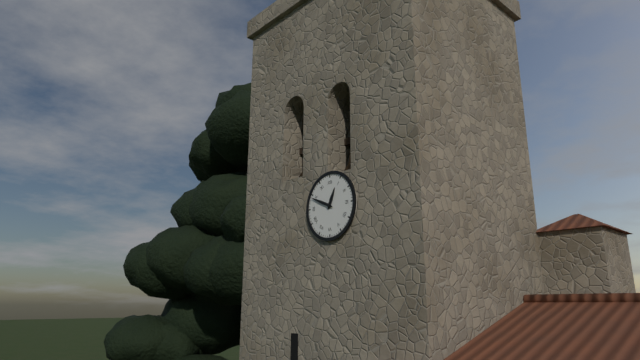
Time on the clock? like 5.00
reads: 12.49
